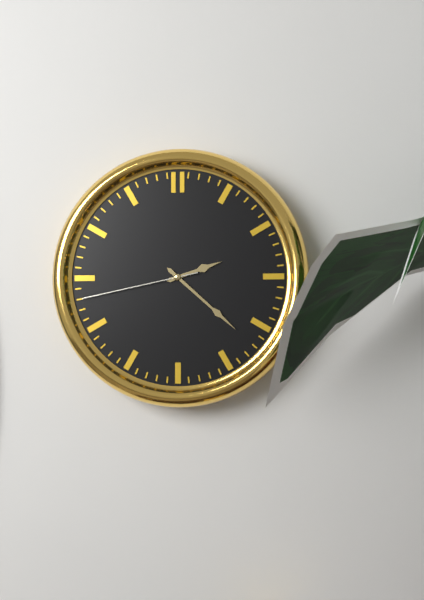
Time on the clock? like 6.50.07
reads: 2.22.43
